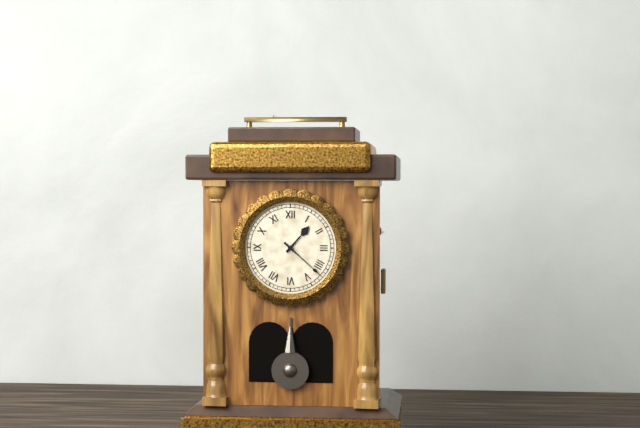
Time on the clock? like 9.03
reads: 1.22
